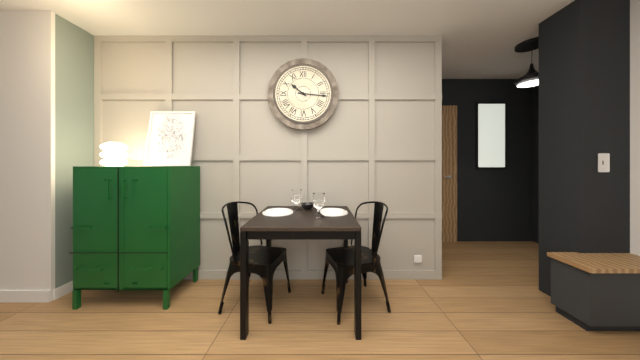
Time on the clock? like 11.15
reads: 10.16
